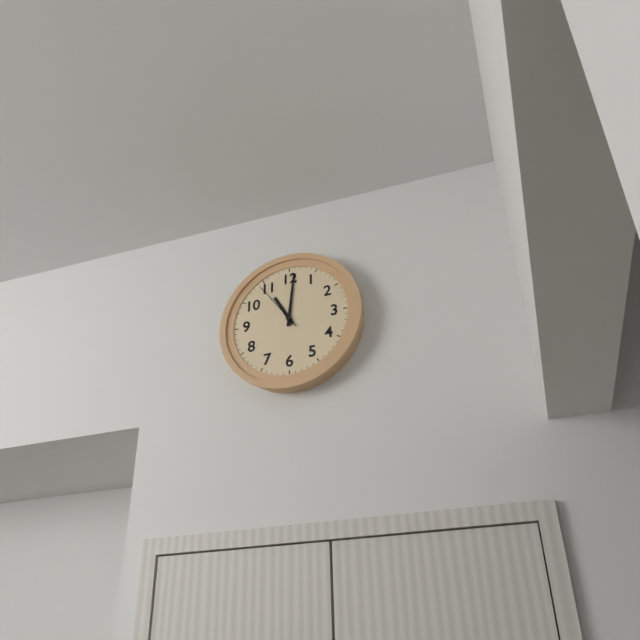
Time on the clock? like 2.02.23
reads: 11.01.54
